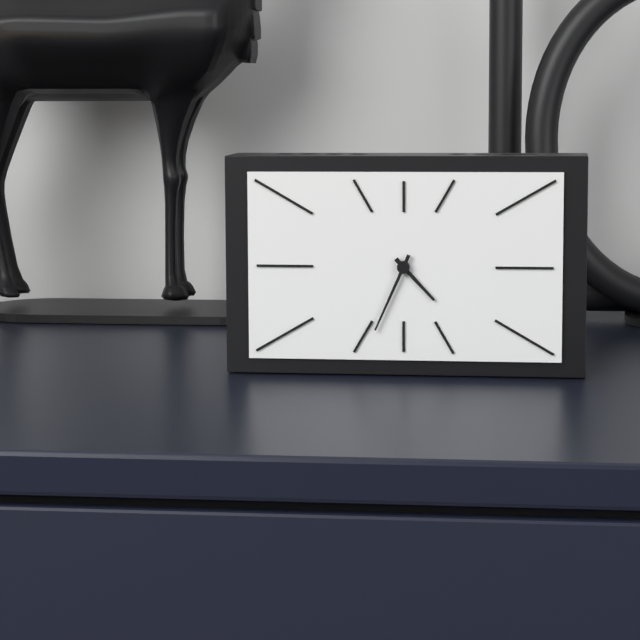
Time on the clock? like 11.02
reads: 4.34
